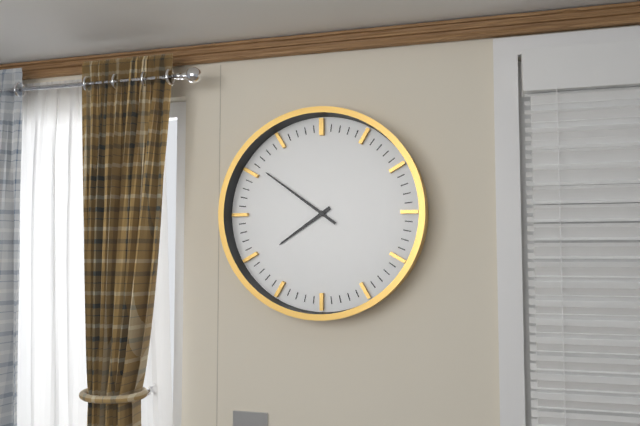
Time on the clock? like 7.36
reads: 7.51
